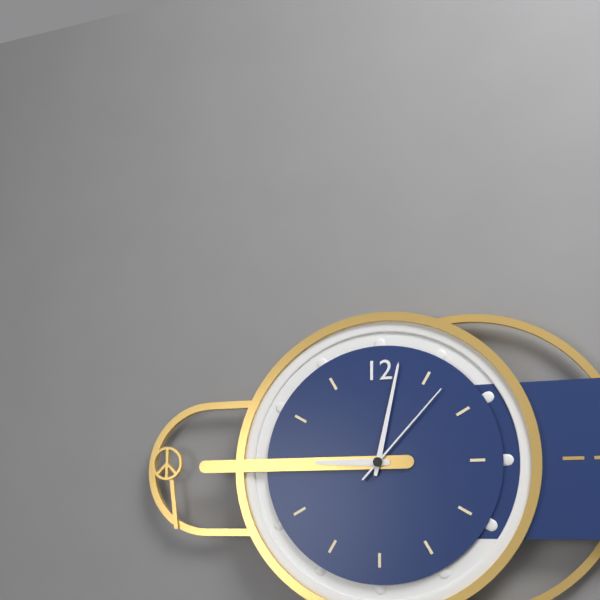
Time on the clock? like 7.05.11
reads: 9.02.07
